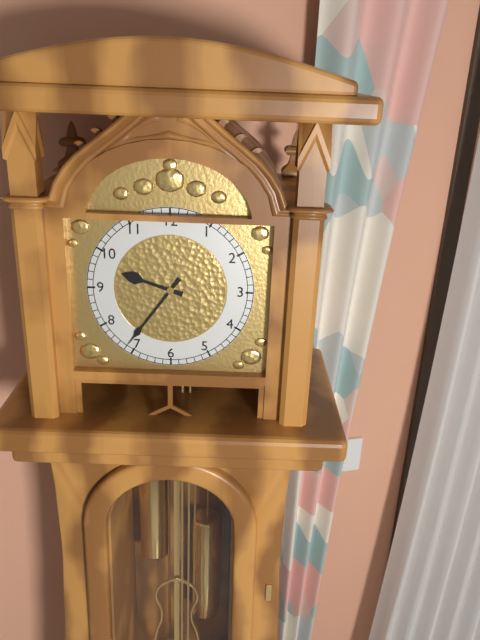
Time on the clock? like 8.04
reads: 9.36
